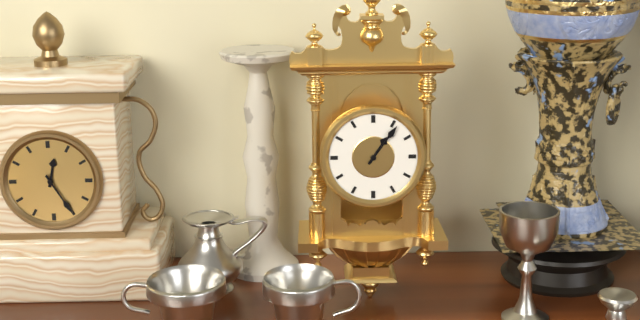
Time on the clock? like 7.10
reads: 1.06
